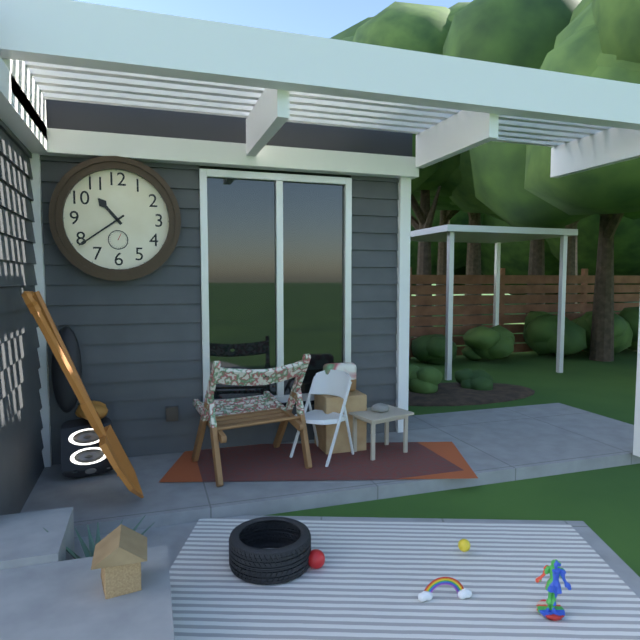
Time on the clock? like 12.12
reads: 10.39
